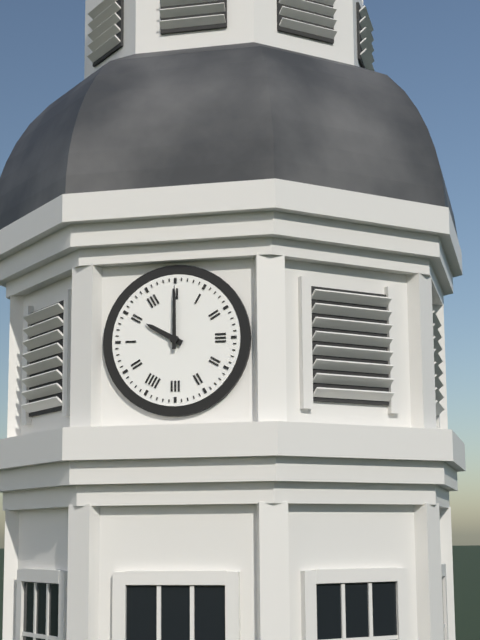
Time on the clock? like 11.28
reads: 10.00
